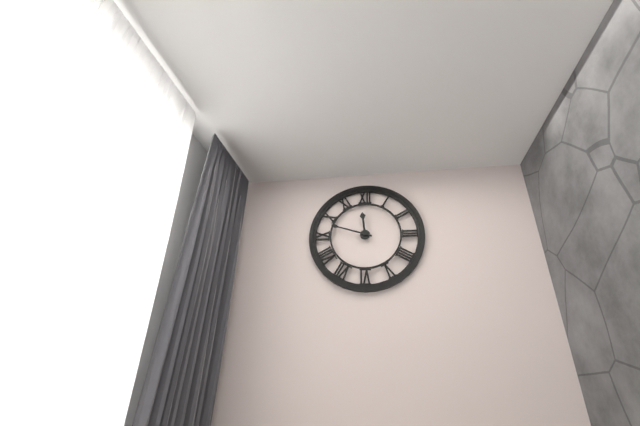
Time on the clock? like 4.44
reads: 11.48
